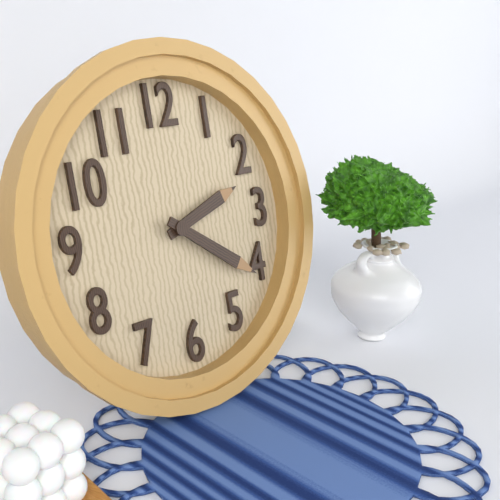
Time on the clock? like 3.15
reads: 2.21
